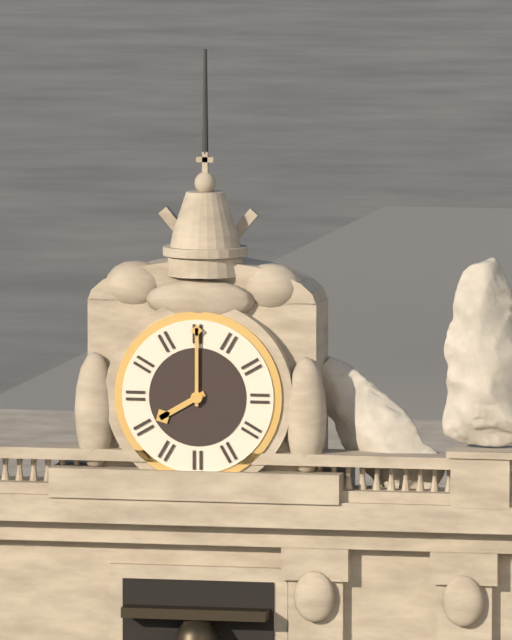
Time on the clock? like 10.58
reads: 8.00
